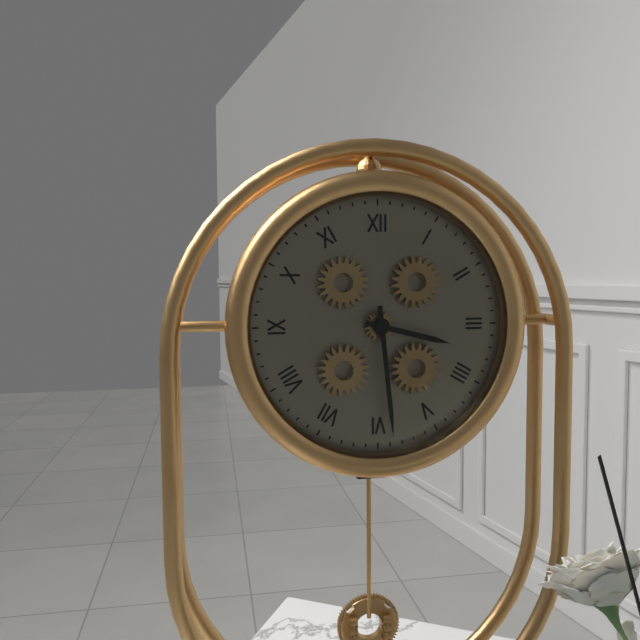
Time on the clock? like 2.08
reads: 3.29
